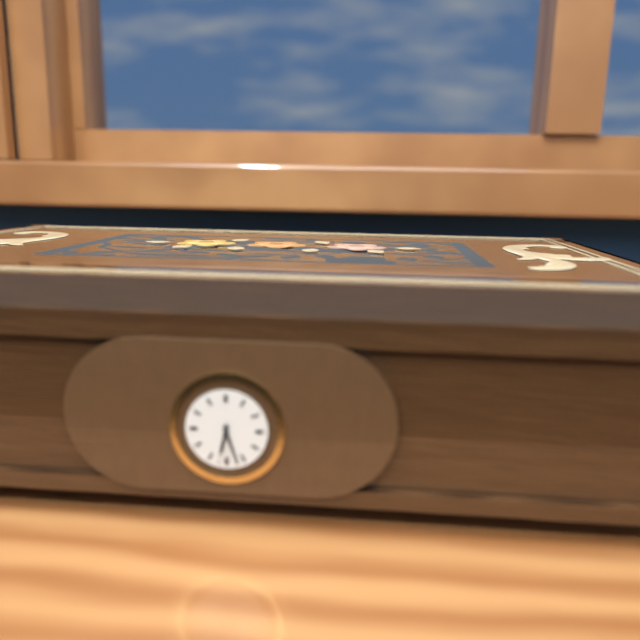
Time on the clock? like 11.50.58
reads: 6.27.32
